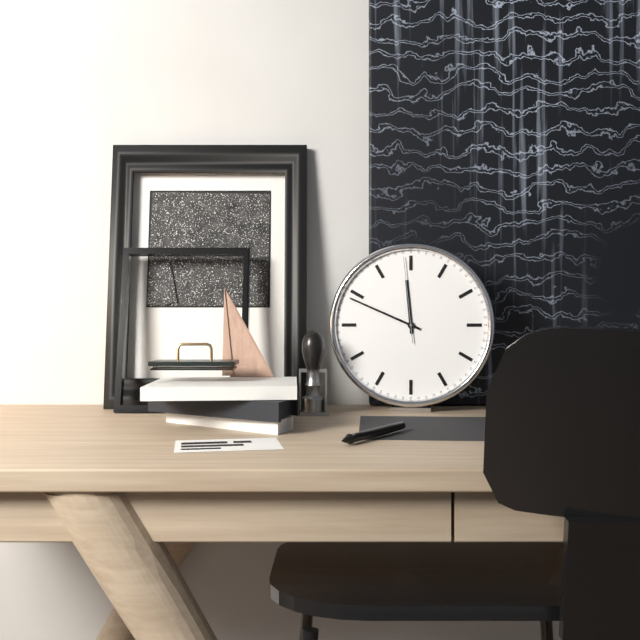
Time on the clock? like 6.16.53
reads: 11.49.59
